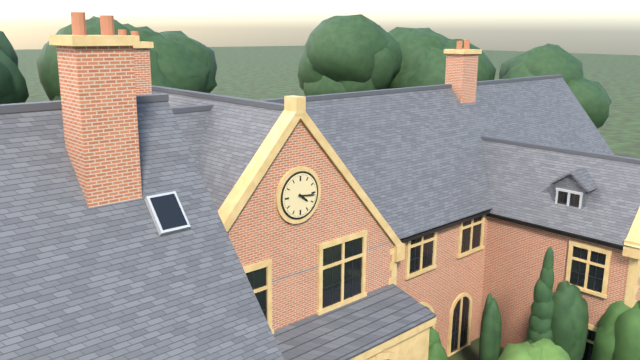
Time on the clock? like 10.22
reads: 4.16
